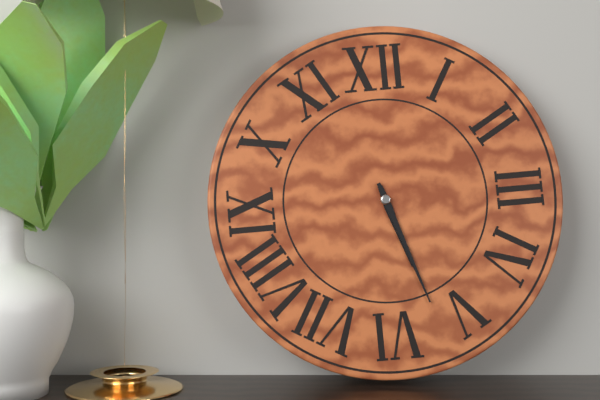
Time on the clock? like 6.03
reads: 5.27
